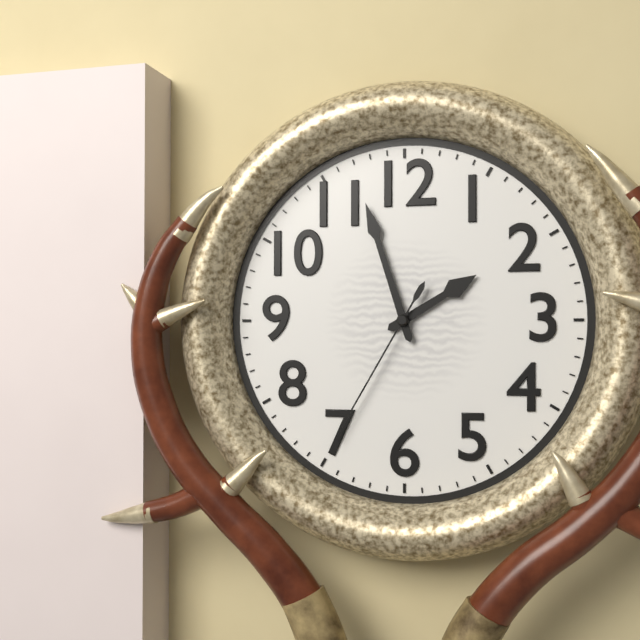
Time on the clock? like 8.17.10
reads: 1.57.35
